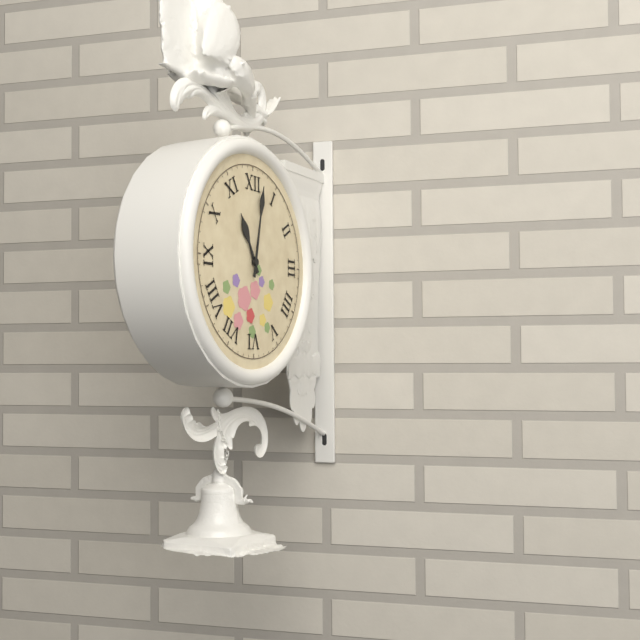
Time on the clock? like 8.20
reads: 11.02
